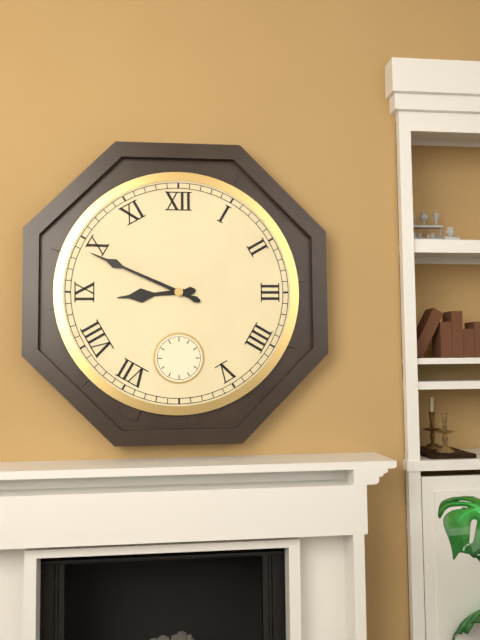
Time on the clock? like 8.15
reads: 8.49
